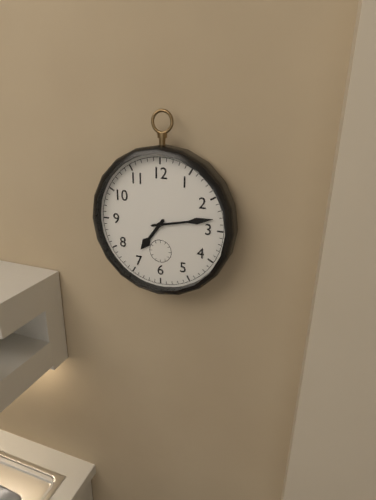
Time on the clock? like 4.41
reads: 7.13
